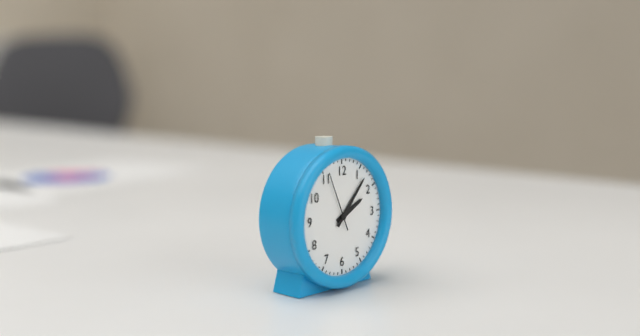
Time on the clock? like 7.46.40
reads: 2.07.56
